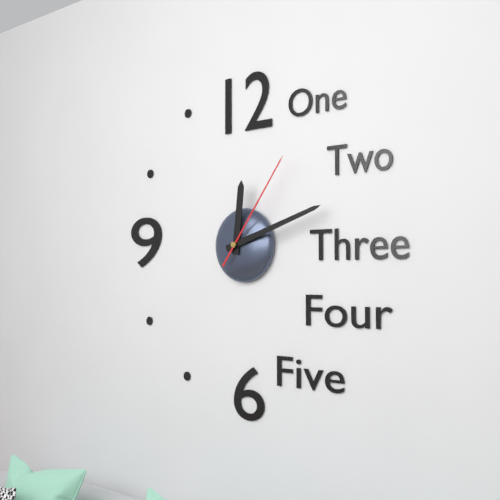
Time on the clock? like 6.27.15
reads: 12.12.06
